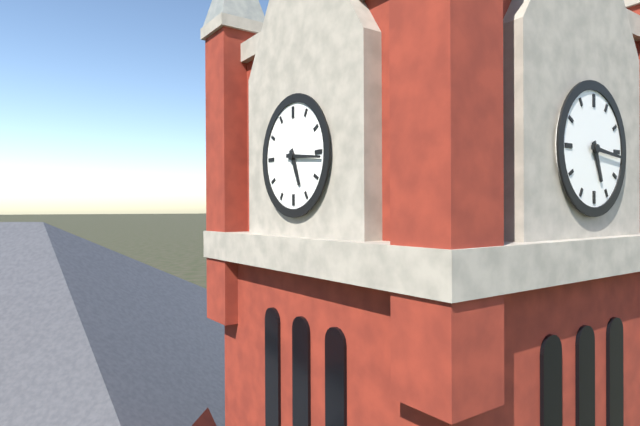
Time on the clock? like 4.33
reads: 5.16
